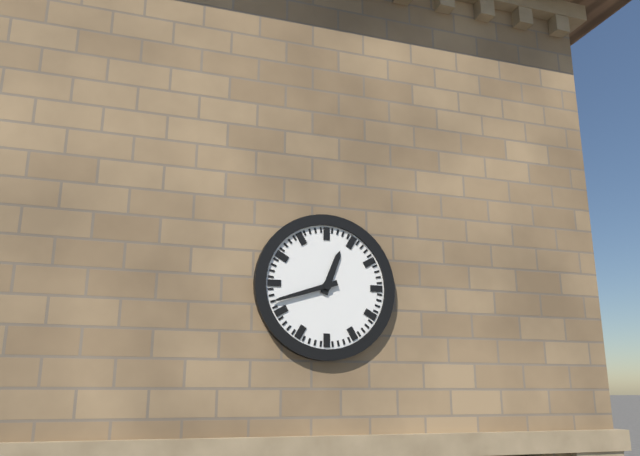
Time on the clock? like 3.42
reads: 12.42
